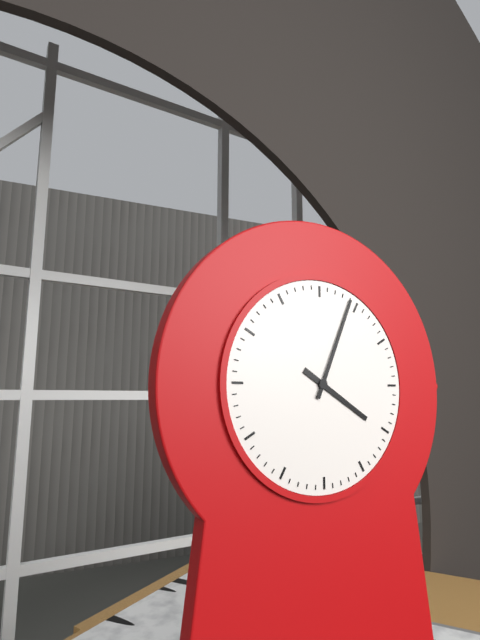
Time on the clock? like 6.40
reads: 4.04
